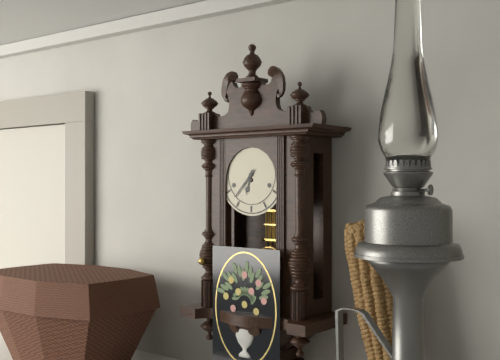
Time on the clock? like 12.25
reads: 6.37
